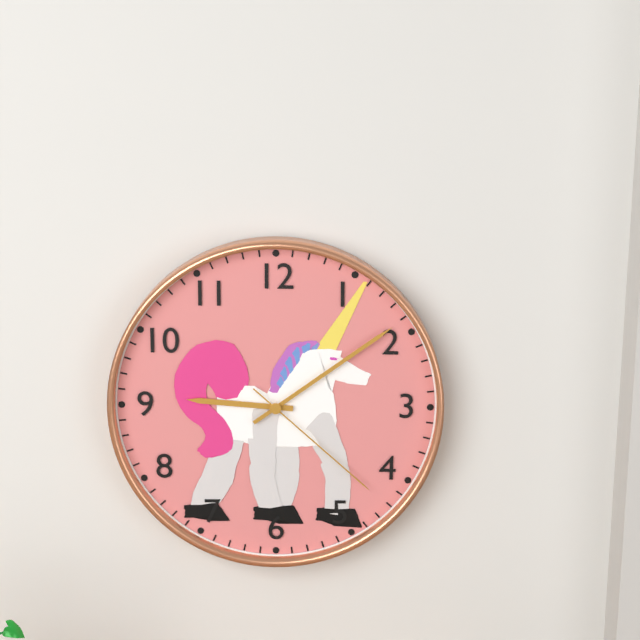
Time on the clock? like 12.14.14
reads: 9.09.22
